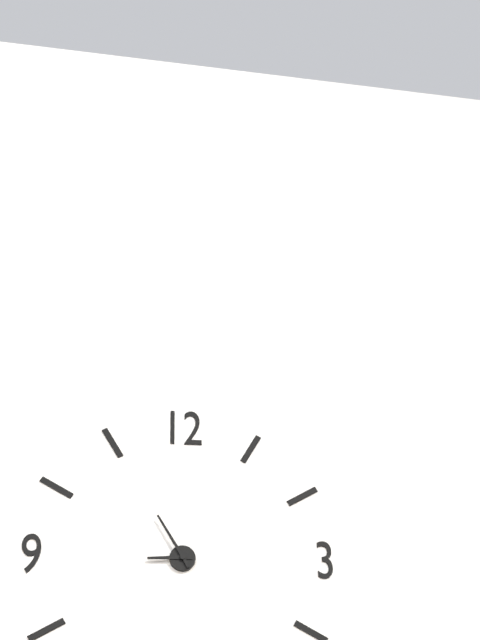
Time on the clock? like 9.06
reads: 8.55
